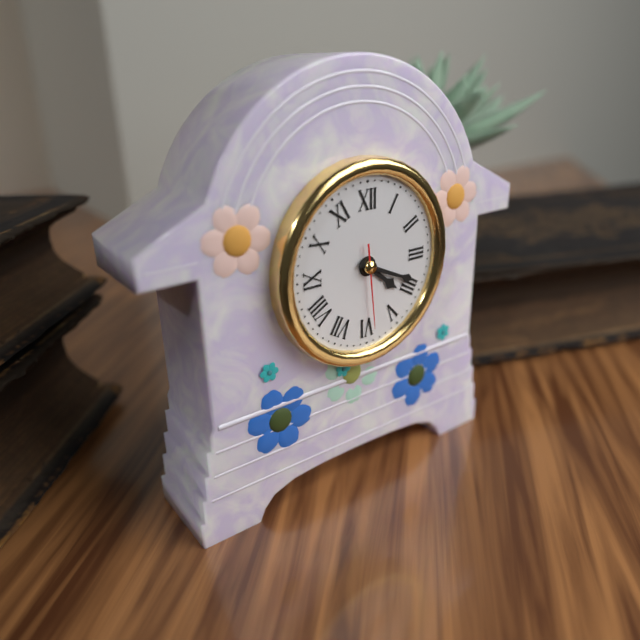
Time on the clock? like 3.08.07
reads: 4.19.29
